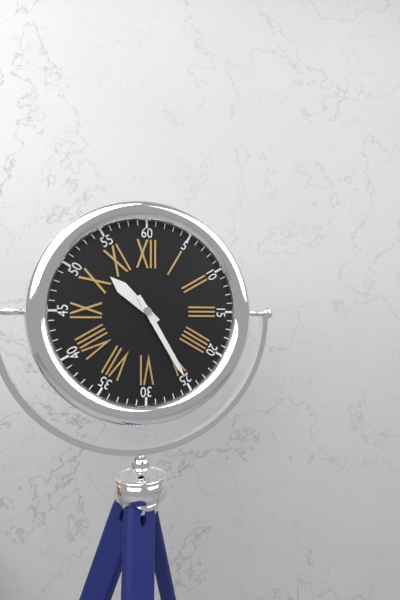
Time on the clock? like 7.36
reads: 10.25
